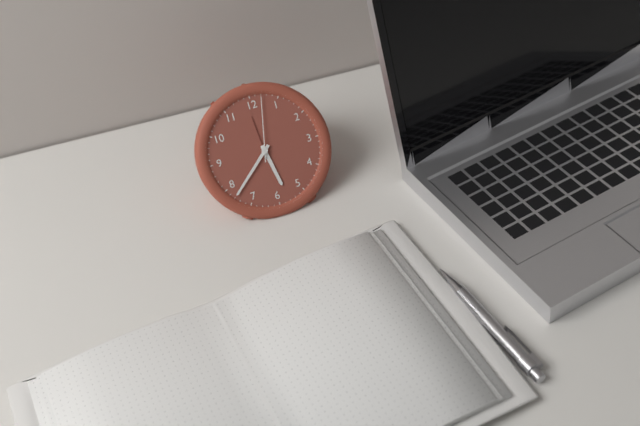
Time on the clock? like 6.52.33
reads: 5.38.02
